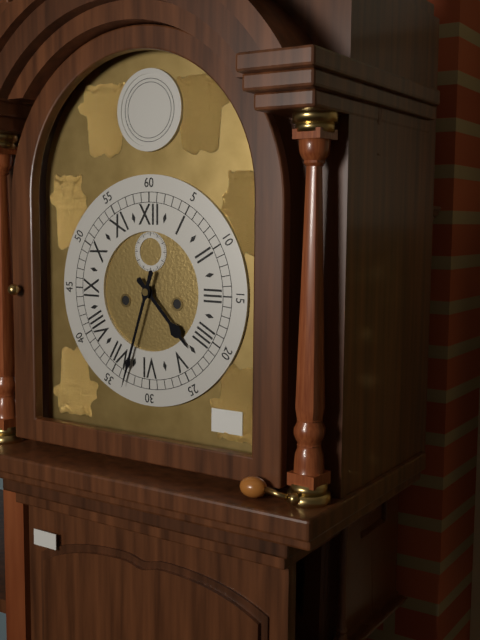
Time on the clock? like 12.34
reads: 4.33
